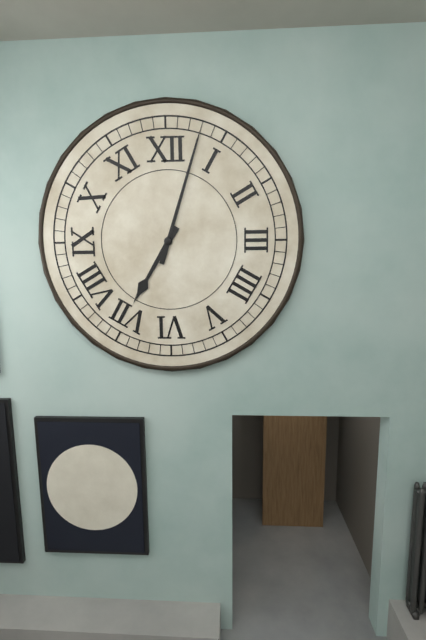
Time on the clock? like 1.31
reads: 7.03
